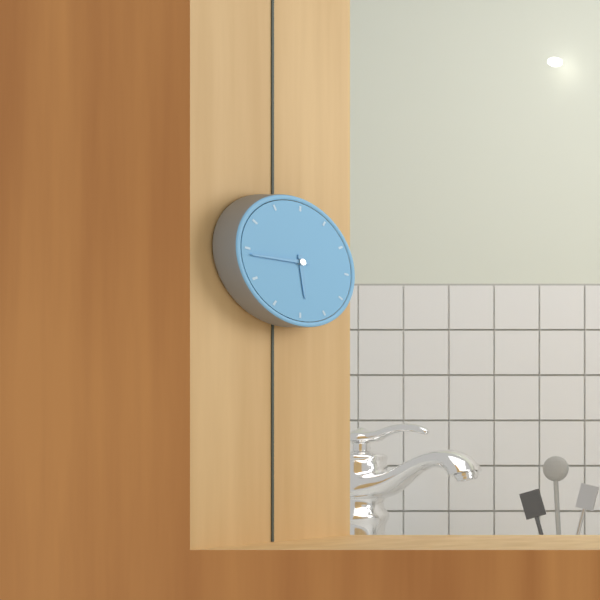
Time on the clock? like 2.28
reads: 5.44
